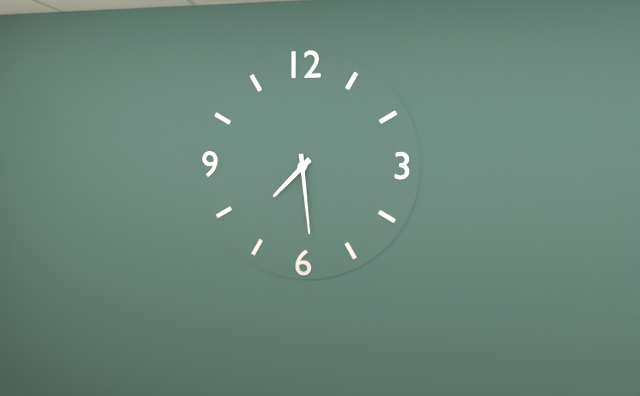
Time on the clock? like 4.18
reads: 7.29
